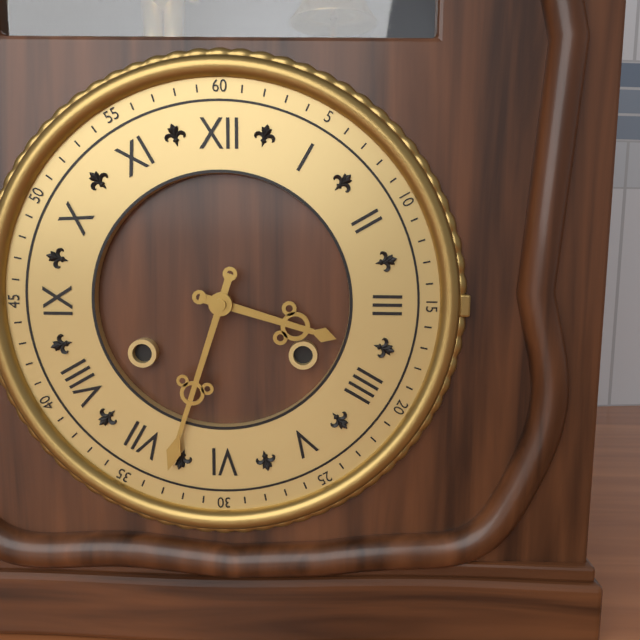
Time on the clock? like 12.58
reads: 3.33
